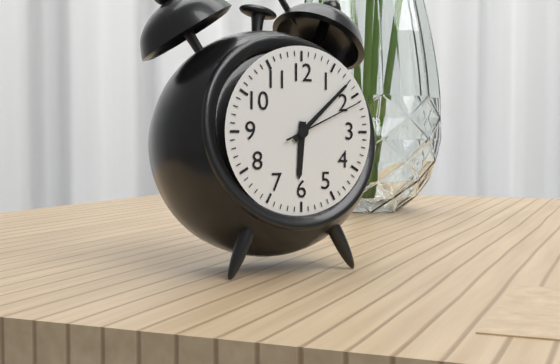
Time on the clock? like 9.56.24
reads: 6.08.11
